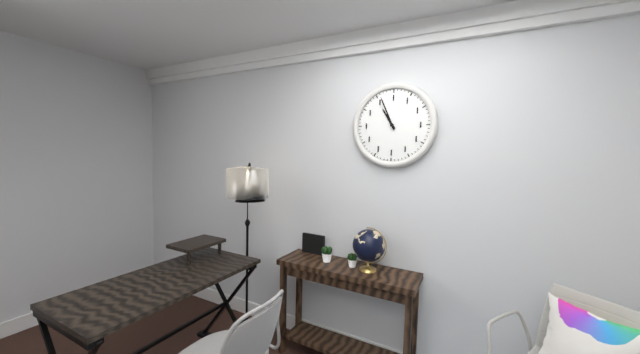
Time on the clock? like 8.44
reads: 10.56
